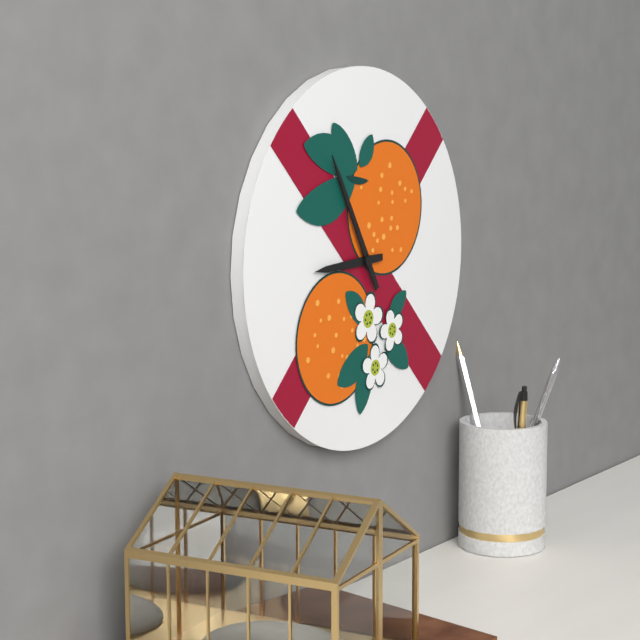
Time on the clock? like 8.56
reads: 8.55
